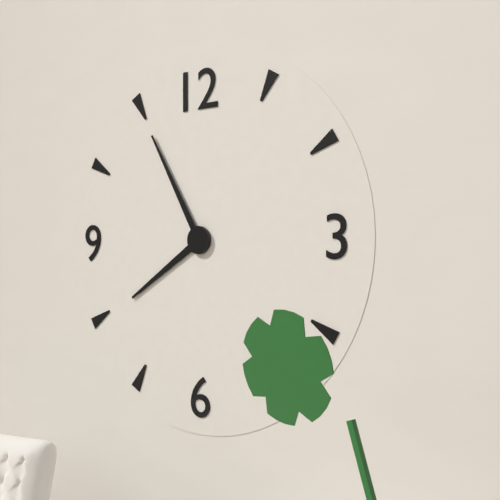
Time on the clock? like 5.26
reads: 7.55
